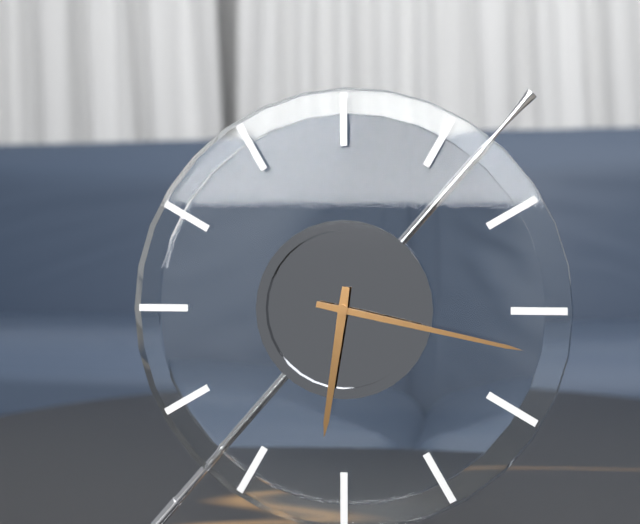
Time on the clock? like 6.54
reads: 6.17
